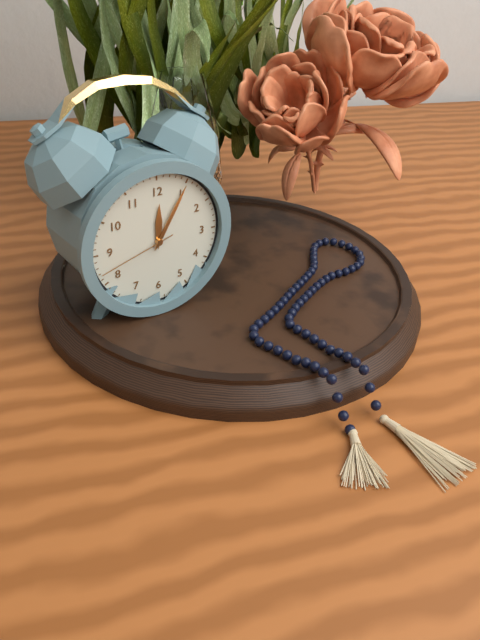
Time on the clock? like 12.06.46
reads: 12.05.42
